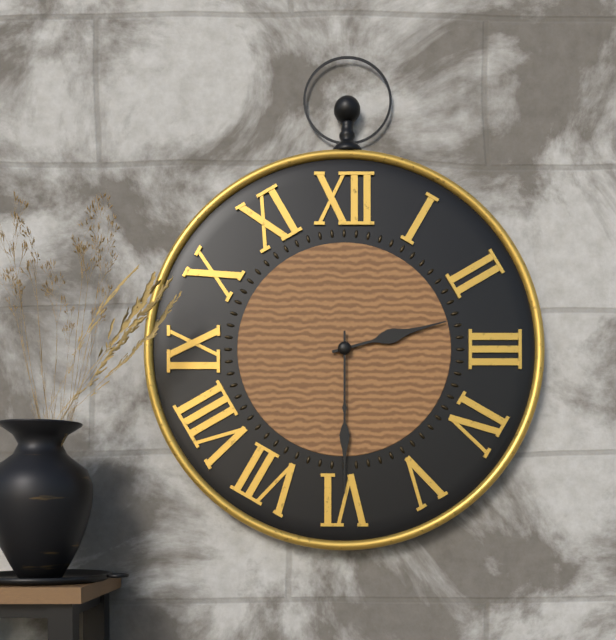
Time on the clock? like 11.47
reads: 2.30
